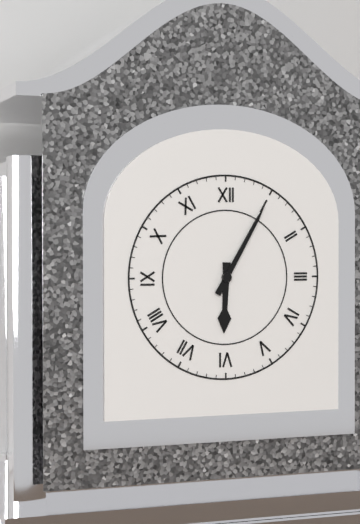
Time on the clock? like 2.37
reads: 6.05
